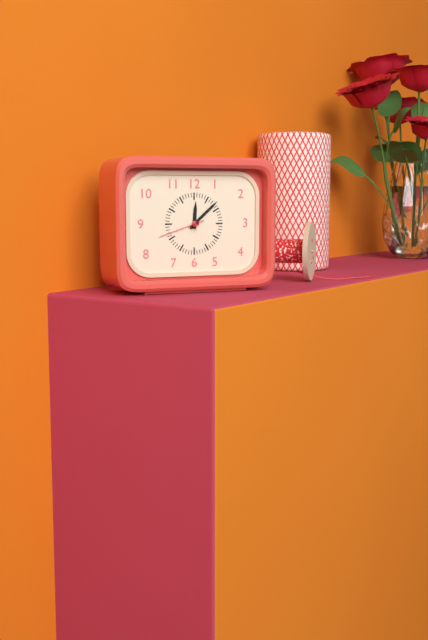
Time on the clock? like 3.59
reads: 12.08
